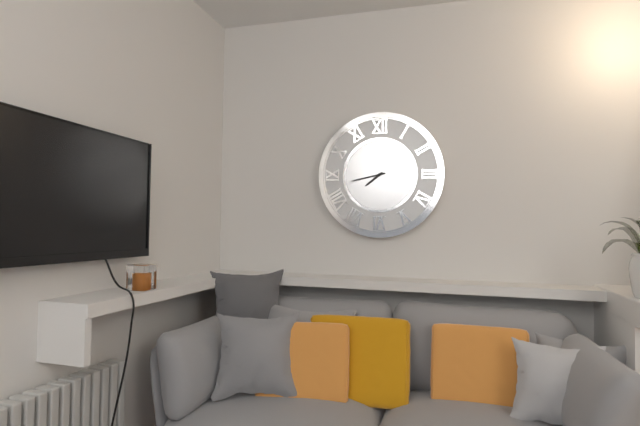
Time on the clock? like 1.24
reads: 7.43
